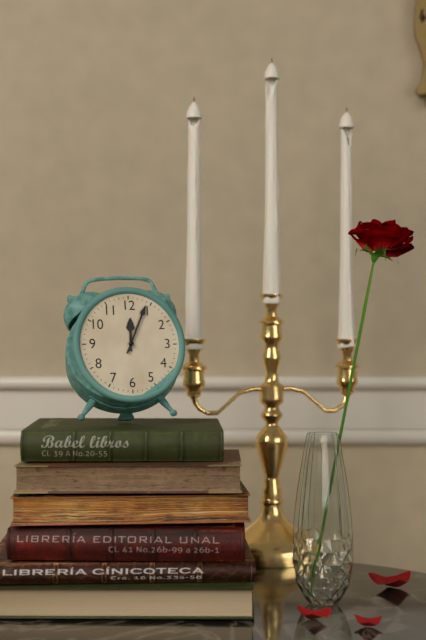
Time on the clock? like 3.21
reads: 12.04
